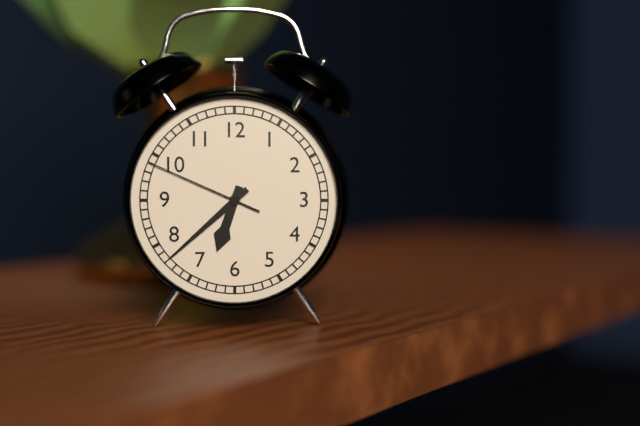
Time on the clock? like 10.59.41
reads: 6.38.49
